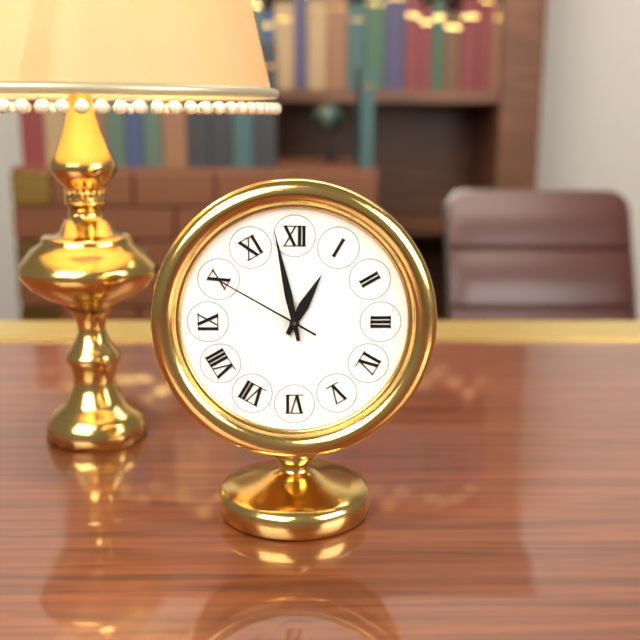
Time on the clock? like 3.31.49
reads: 12.58.50
